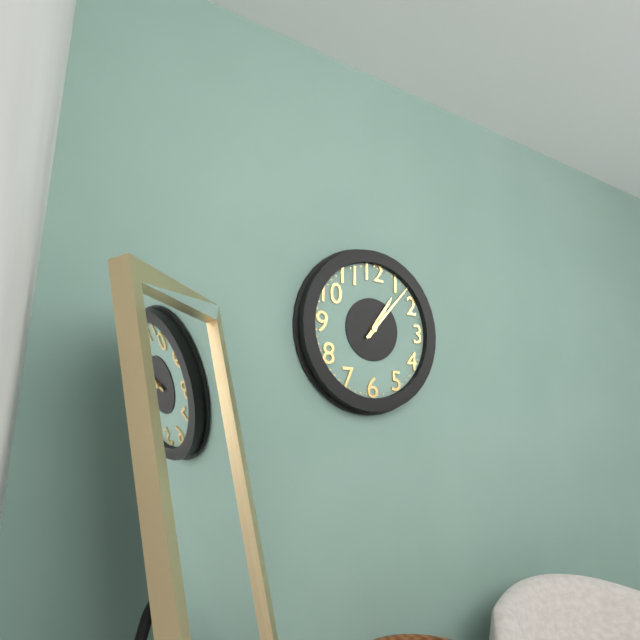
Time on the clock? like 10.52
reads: 1.07
